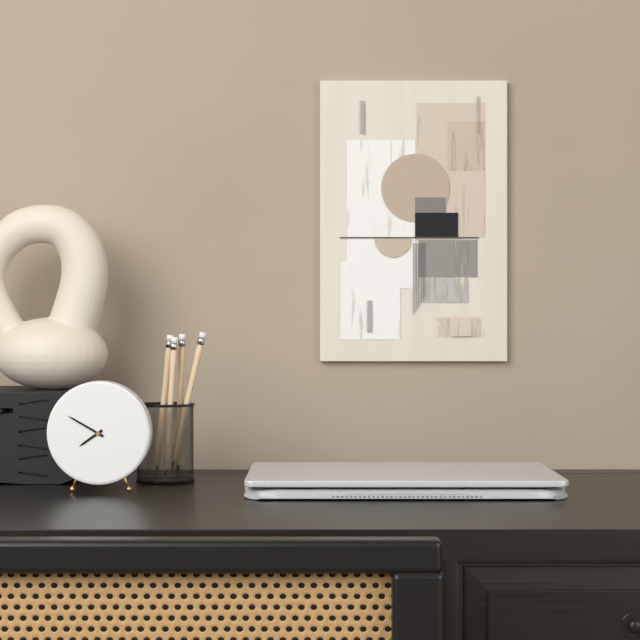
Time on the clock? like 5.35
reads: 7.50
